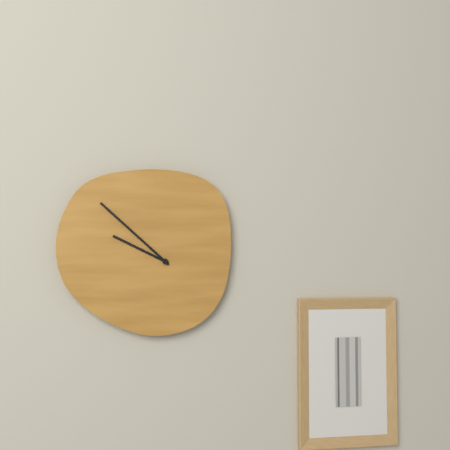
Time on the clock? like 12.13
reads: 9.52
